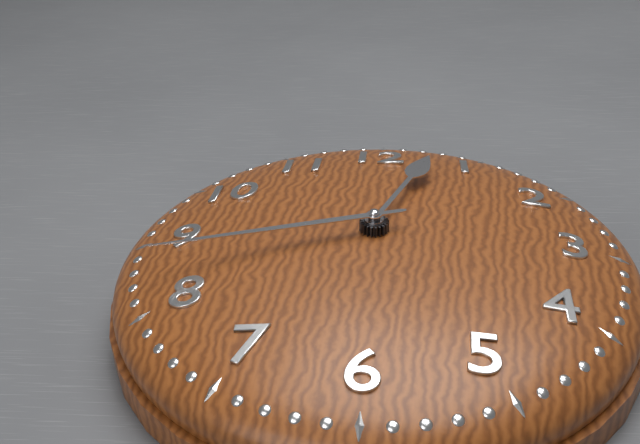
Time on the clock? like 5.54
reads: 12.42
